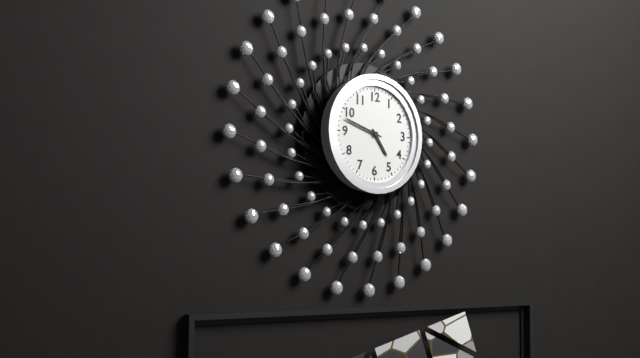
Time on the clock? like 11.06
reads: 4.48
